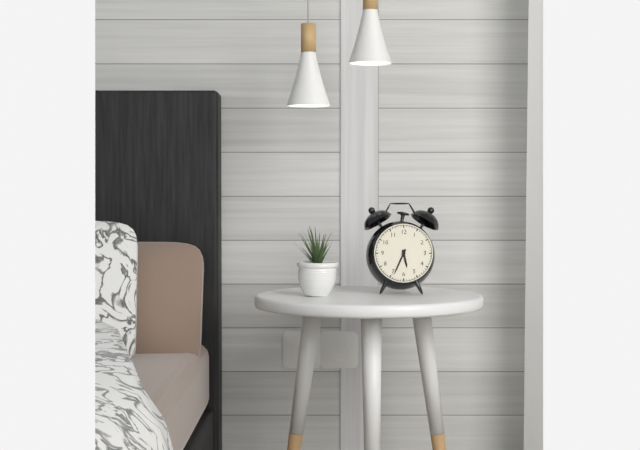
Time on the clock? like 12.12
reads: 5.34
